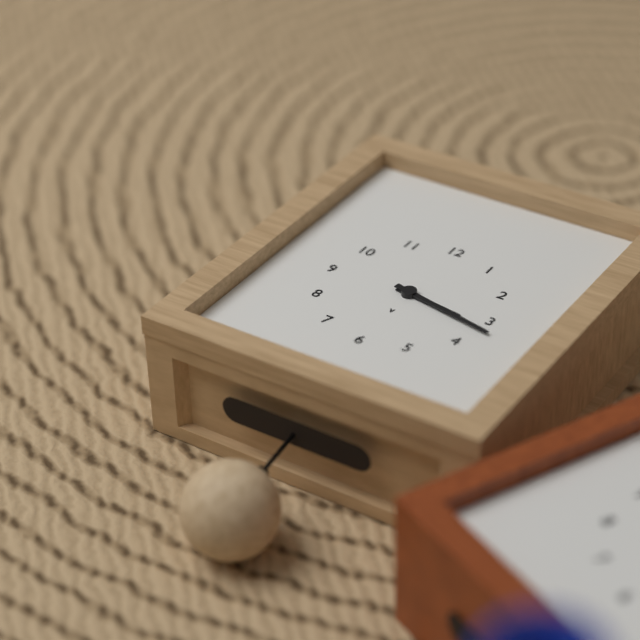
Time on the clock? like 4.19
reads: 3.17
